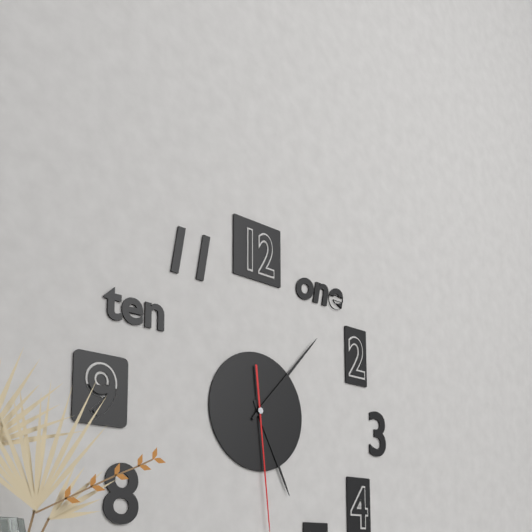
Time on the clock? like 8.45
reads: 5.07
